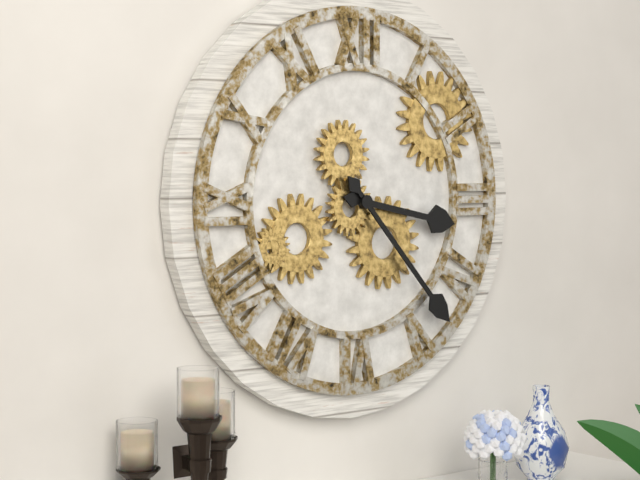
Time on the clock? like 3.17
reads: 3.23
